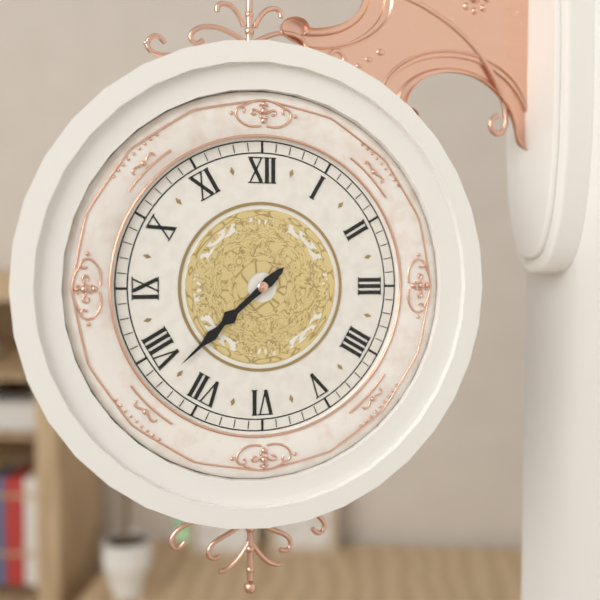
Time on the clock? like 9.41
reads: 7.38
